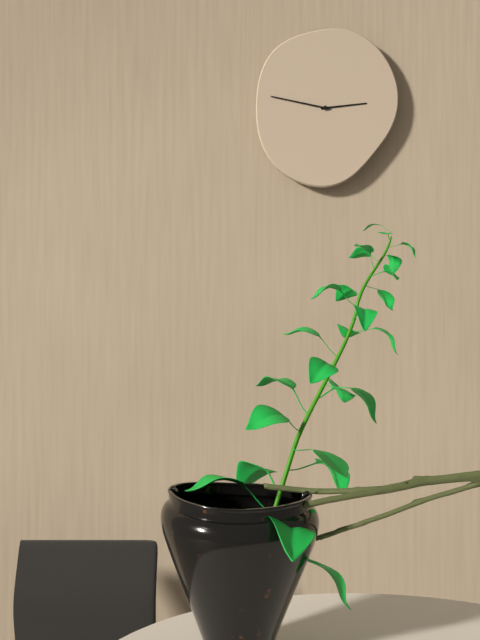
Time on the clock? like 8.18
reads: 2.47
